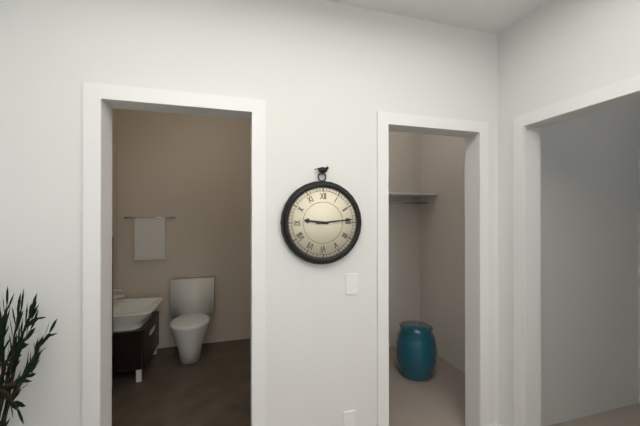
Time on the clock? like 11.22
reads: 9.14
